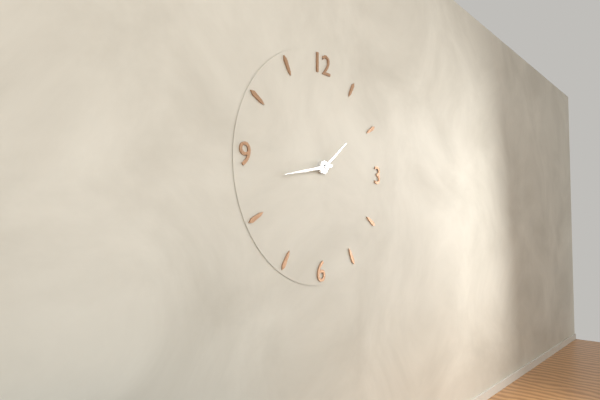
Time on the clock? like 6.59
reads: 1.43
